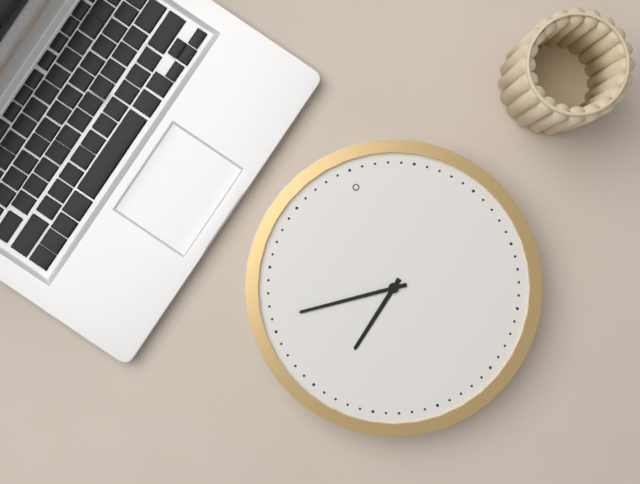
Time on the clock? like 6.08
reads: 7.46
